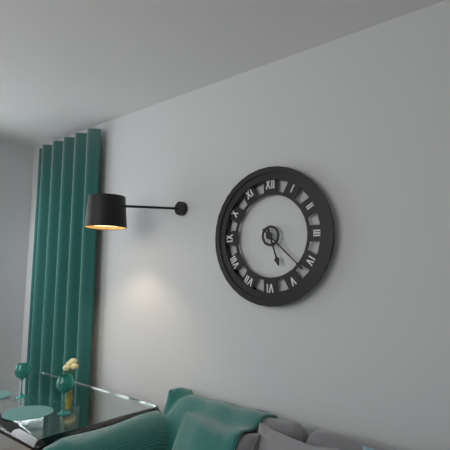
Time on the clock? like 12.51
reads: 5.22
